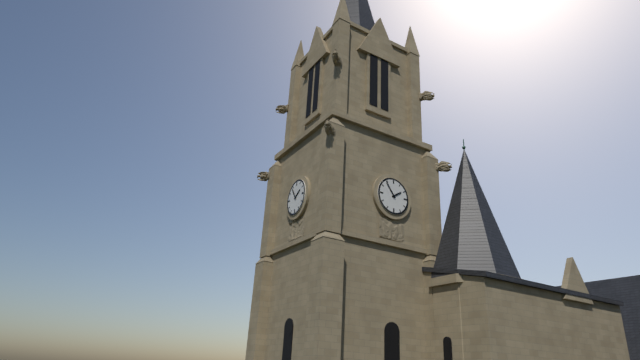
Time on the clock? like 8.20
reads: 1.54
